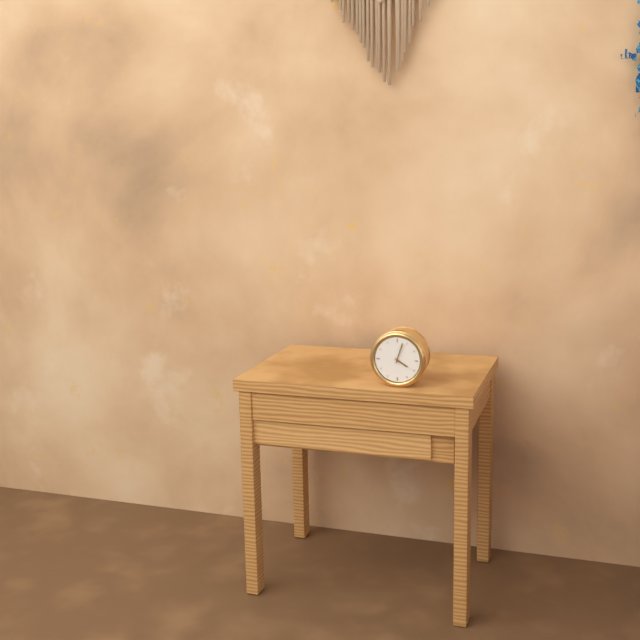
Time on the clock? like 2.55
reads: 4.03
